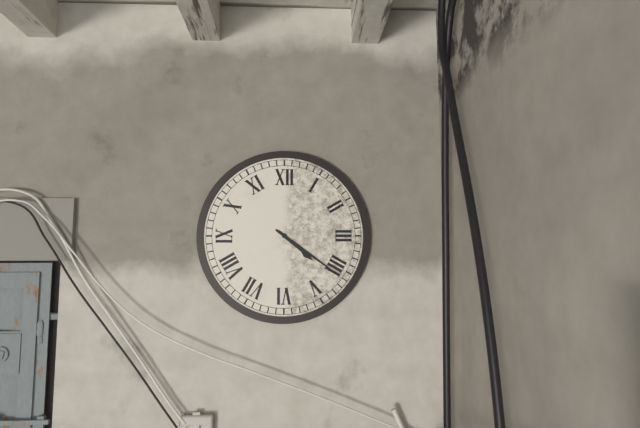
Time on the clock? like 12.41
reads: 4.21
